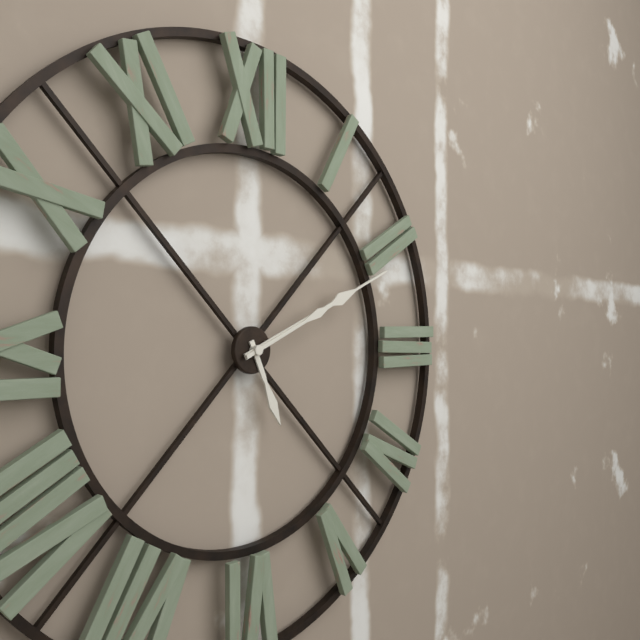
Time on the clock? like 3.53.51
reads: 5.11.11
